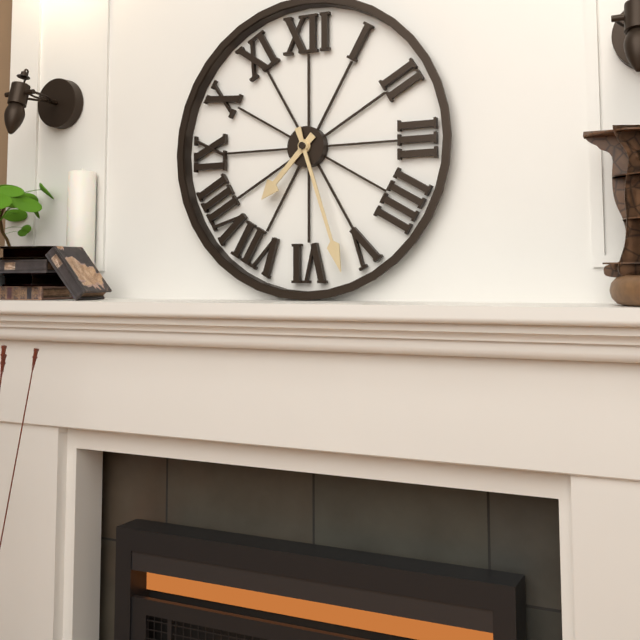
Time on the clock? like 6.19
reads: 7.27
